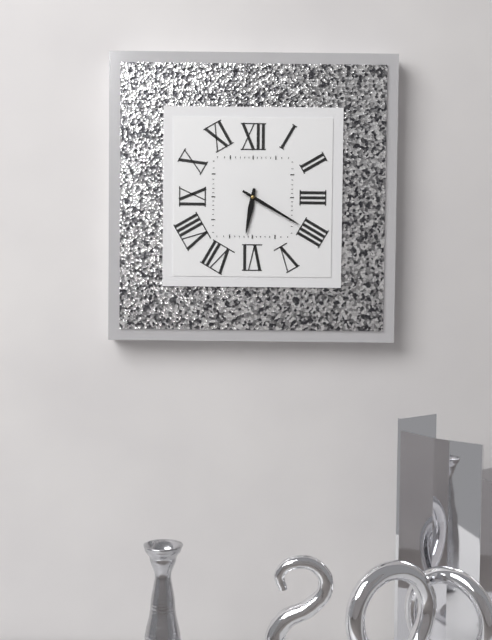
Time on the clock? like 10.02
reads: 6.20
